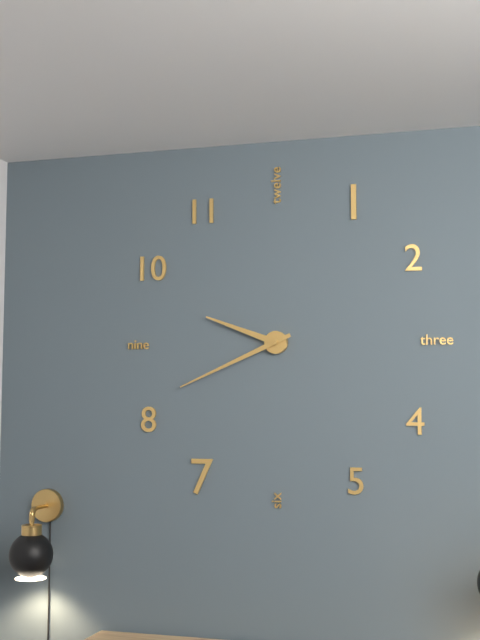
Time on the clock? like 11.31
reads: 9.41
